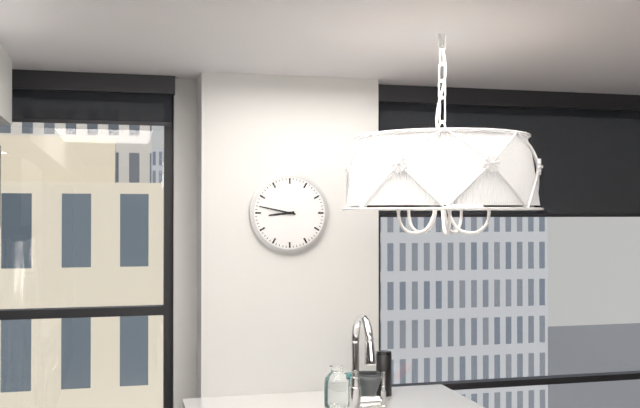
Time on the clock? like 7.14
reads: 8.47
